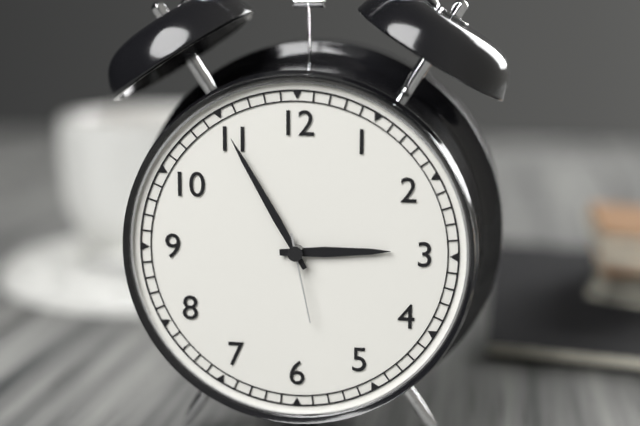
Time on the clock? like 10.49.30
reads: 2.55.28
